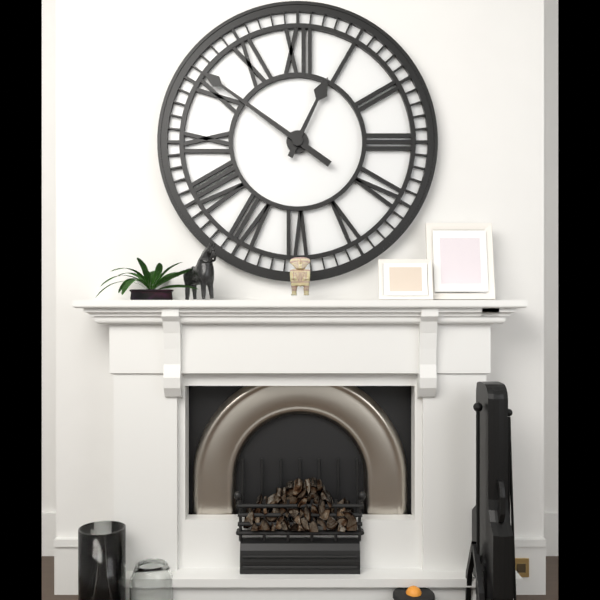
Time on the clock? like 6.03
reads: 12.51
